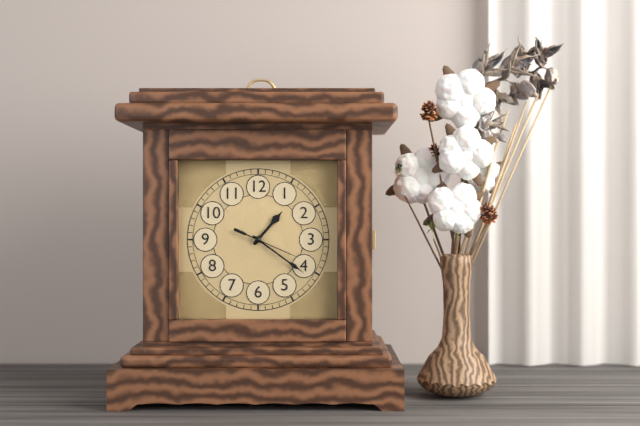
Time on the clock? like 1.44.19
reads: 1.21.19
